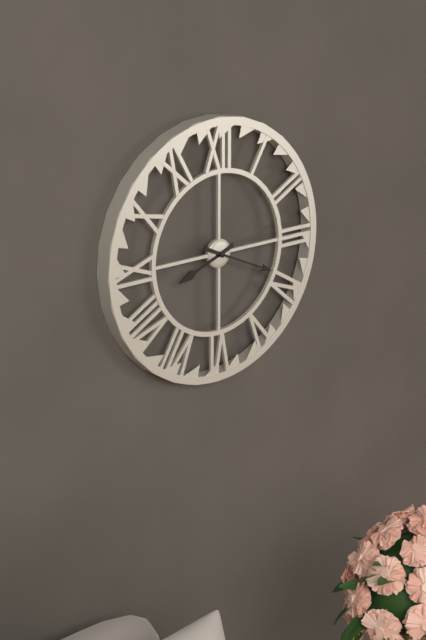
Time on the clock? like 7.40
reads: 8.19
